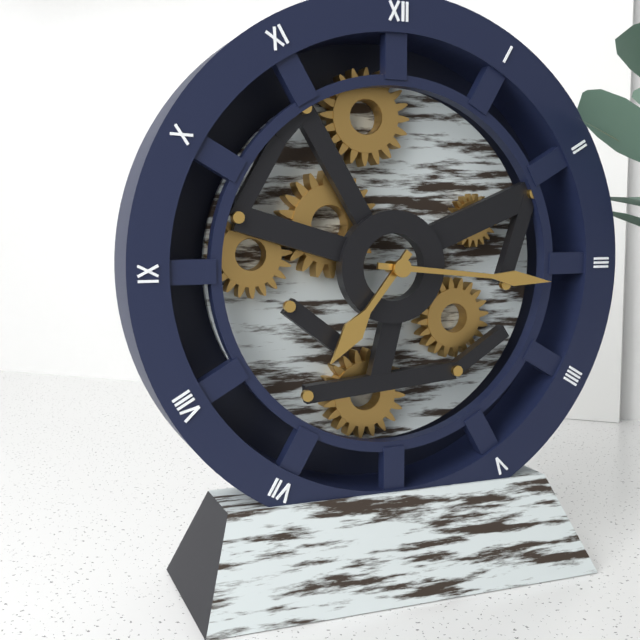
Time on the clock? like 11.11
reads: 7.16
